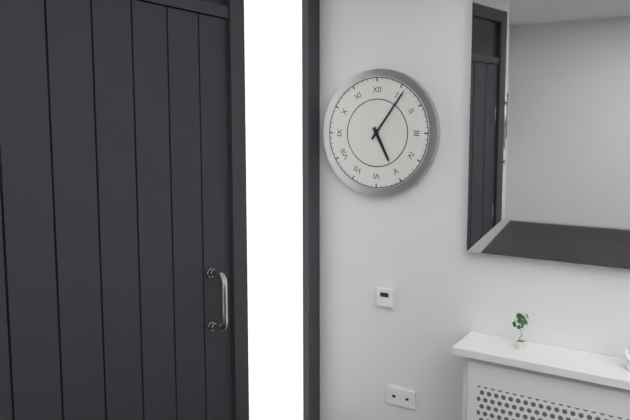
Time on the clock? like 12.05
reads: 5.06
